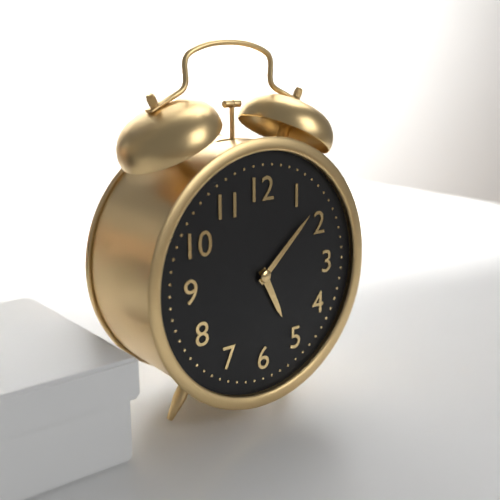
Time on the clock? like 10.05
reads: 5.08
